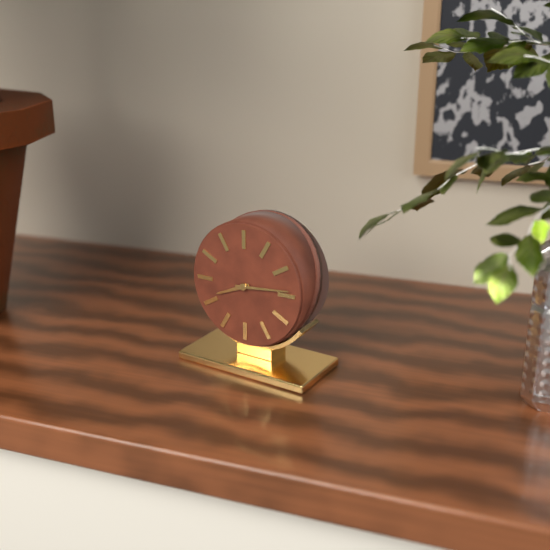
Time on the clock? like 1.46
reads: 8.14
